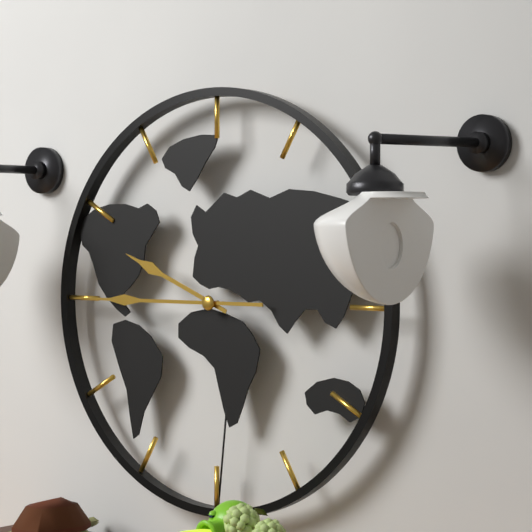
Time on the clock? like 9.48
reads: 9.45
